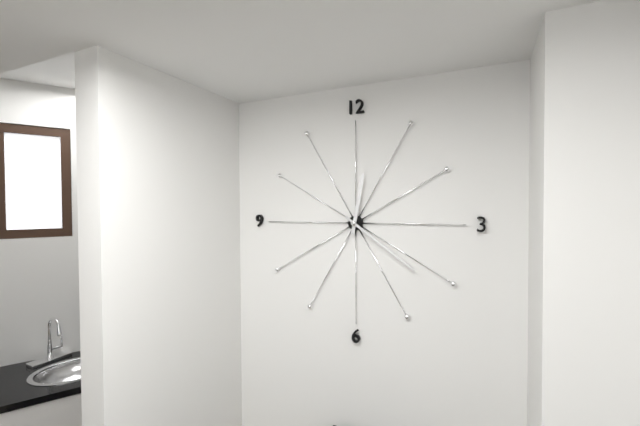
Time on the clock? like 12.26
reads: 12.21
